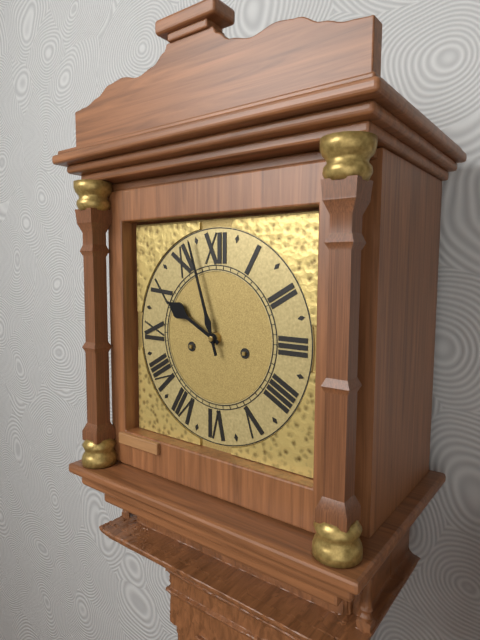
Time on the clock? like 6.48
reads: 9.57
